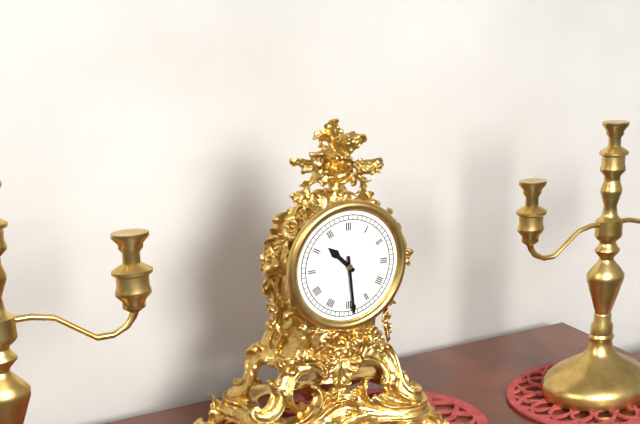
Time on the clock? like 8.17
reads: 10.29
